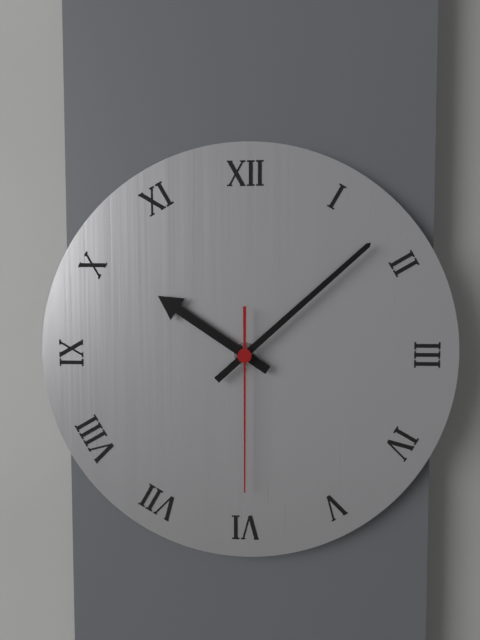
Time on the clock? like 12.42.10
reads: 10.08.30
